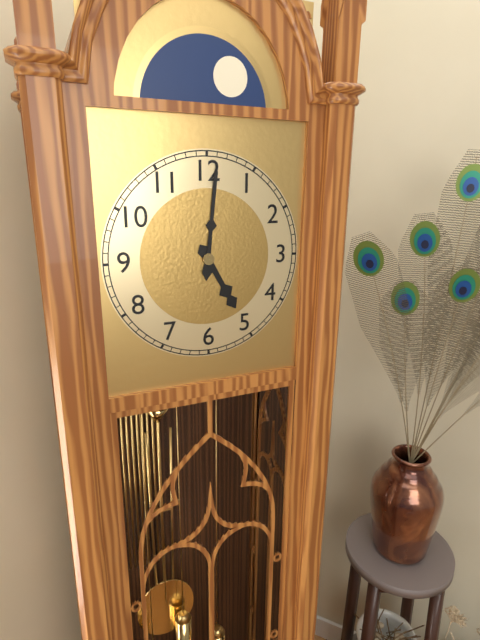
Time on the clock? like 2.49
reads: 5.01
